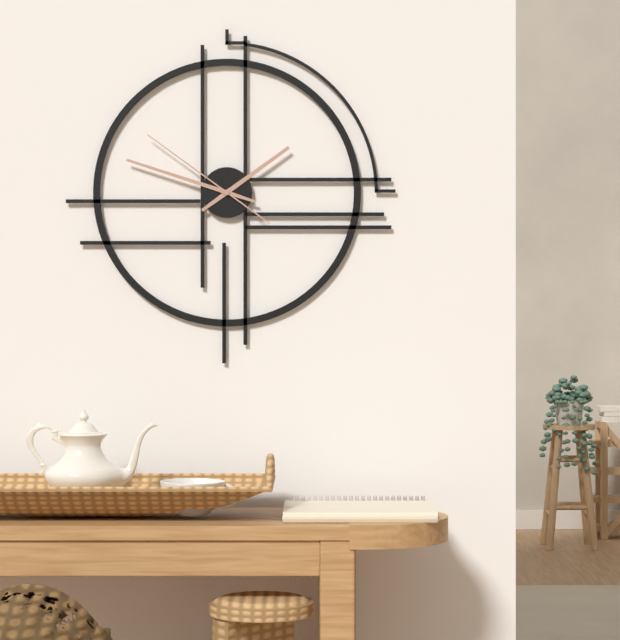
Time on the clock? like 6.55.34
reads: 1.48.51
